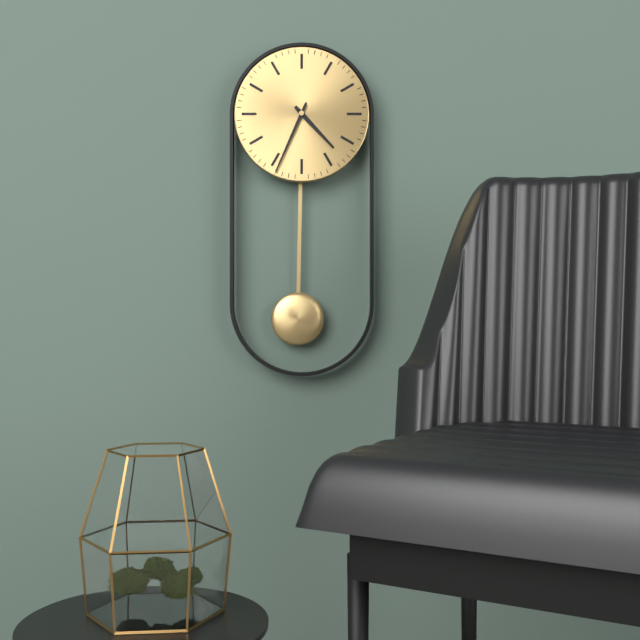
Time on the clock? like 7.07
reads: 4.34
